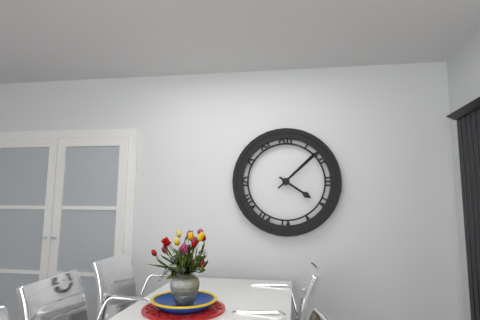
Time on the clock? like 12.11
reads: 4.08
